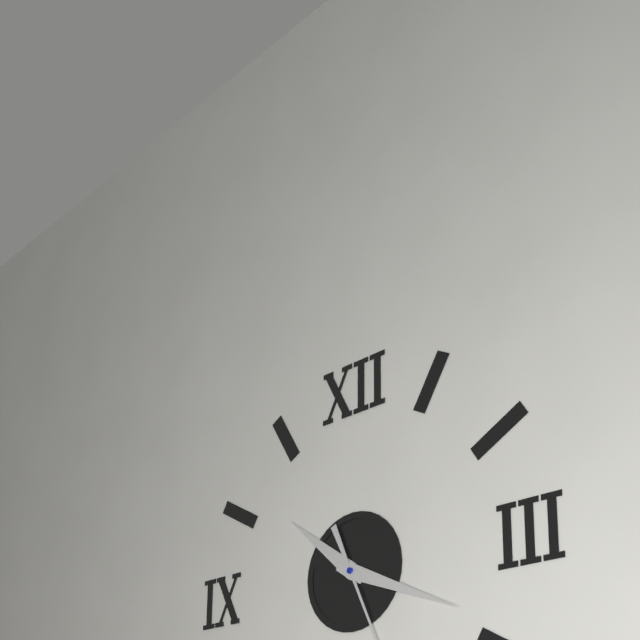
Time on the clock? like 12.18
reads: 10.19
